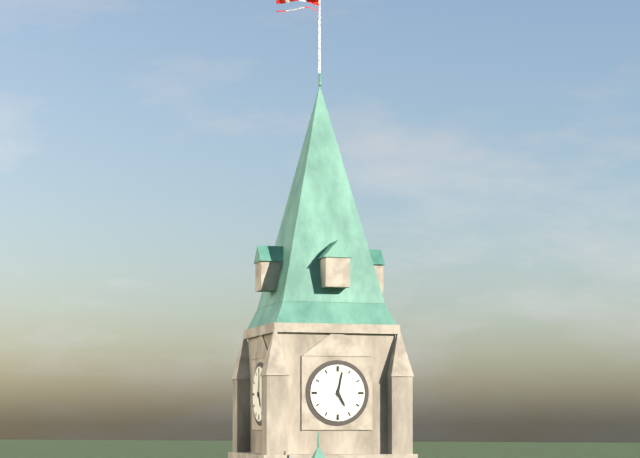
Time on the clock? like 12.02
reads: 5.02
